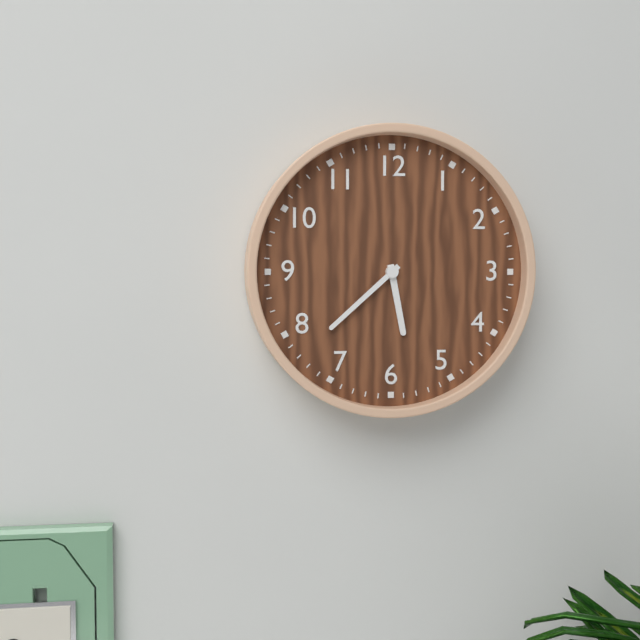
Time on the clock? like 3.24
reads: 5.38
